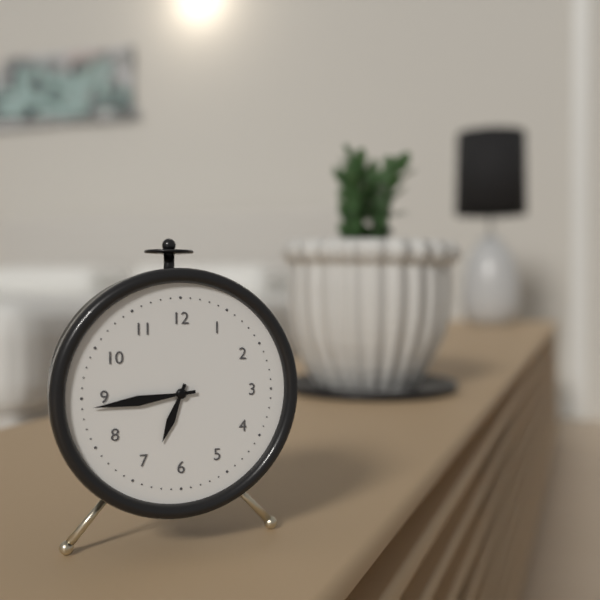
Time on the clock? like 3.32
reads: 6.44
